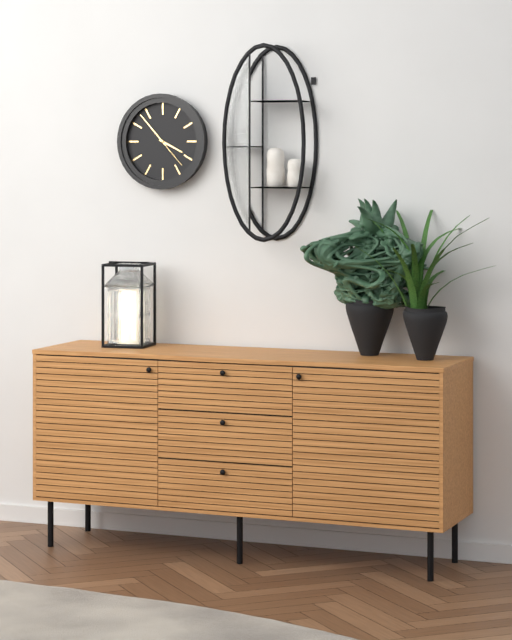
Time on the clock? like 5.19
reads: 3.53
